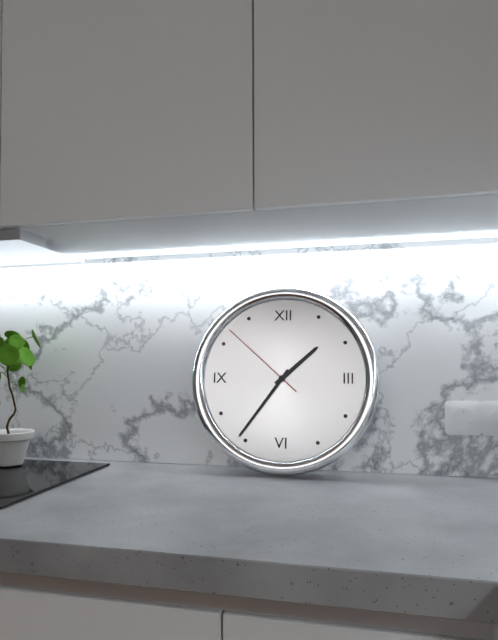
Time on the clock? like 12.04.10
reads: 1.36.52
